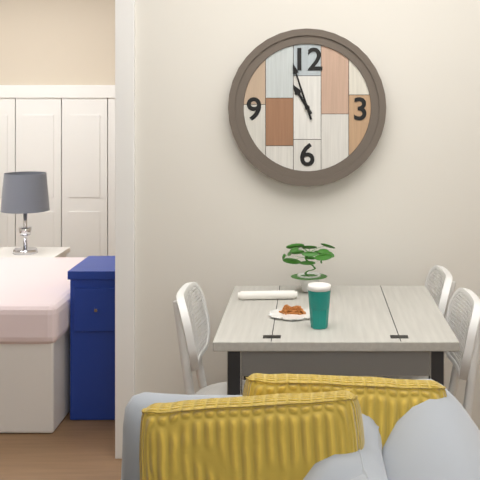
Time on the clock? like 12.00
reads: 10.57
